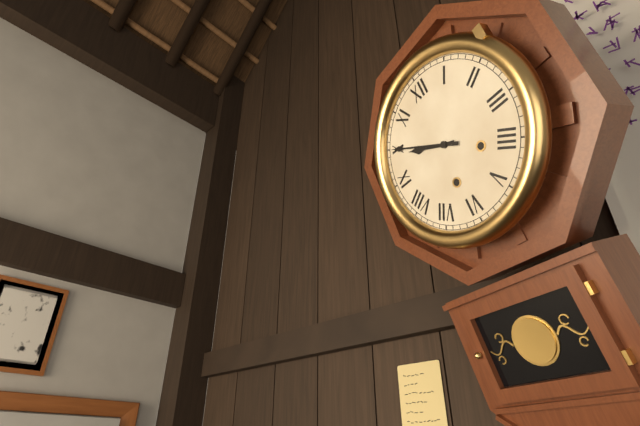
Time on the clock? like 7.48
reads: 9.50
